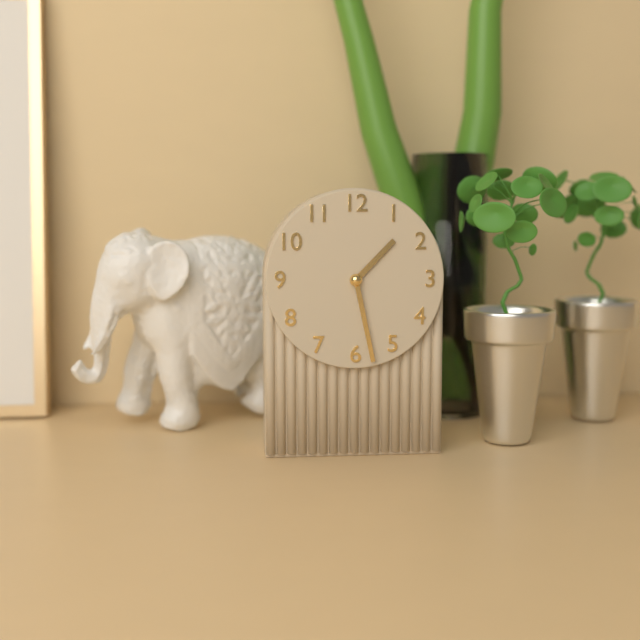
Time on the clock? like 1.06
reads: 1.28
